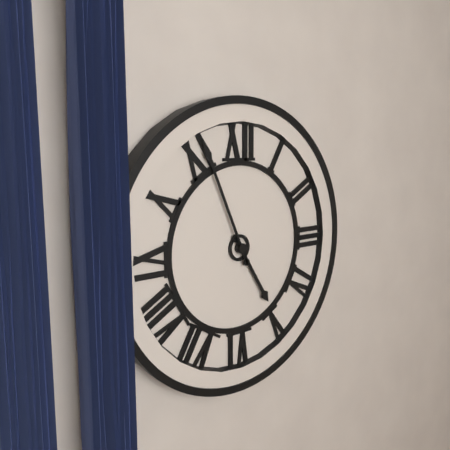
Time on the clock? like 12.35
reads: 4.56
